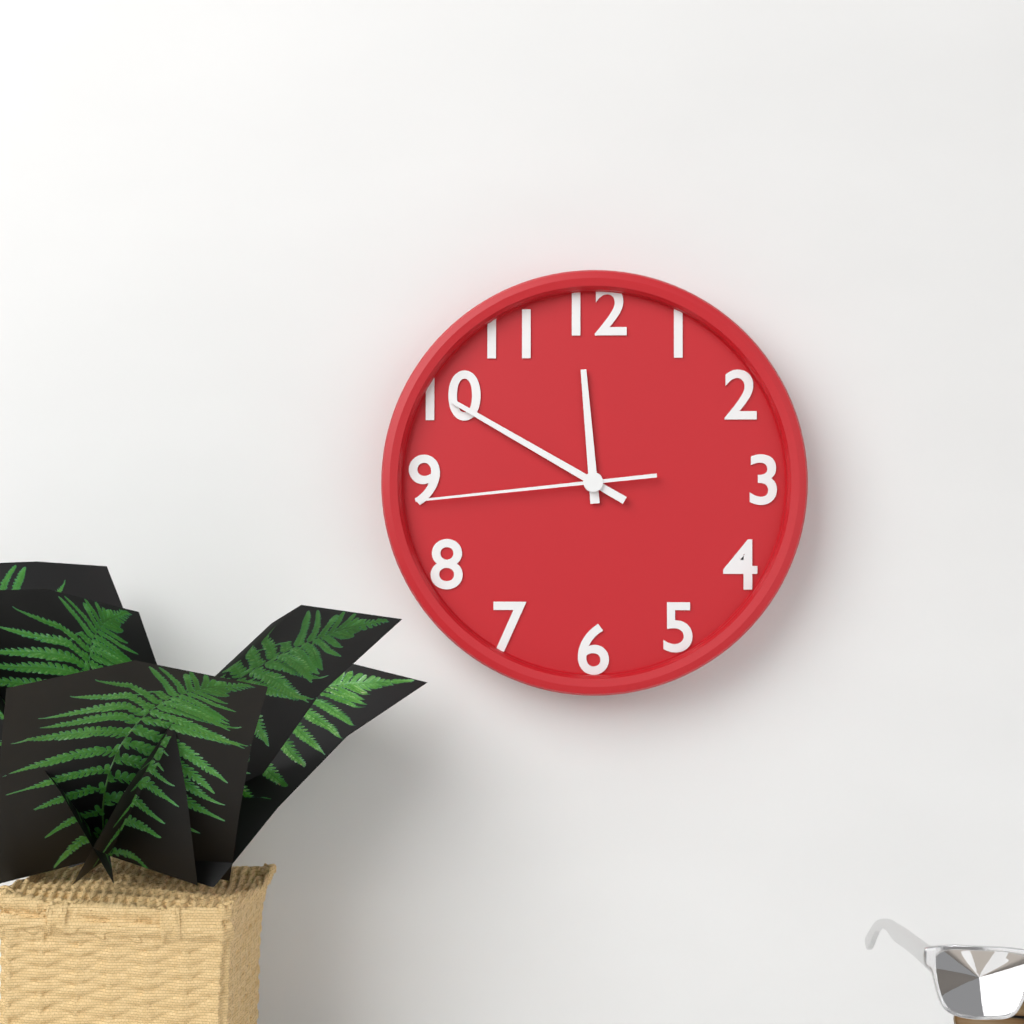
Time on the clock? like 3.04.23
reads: 11.50.44
